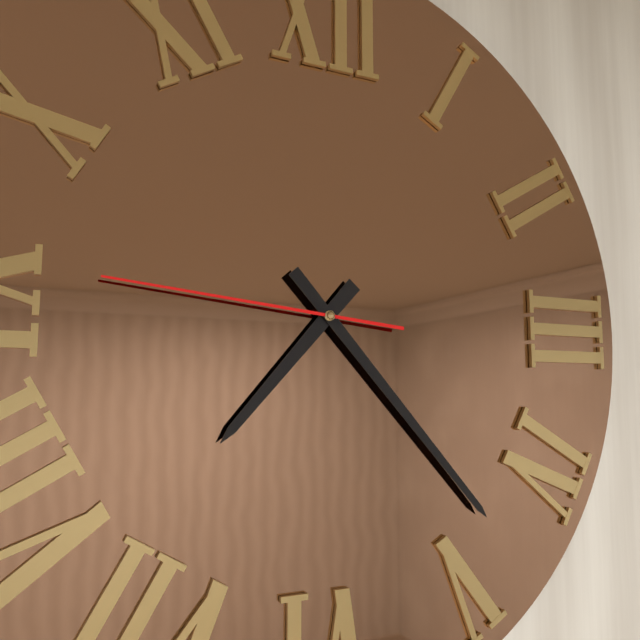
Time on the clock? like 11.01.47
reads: 7.23.46
